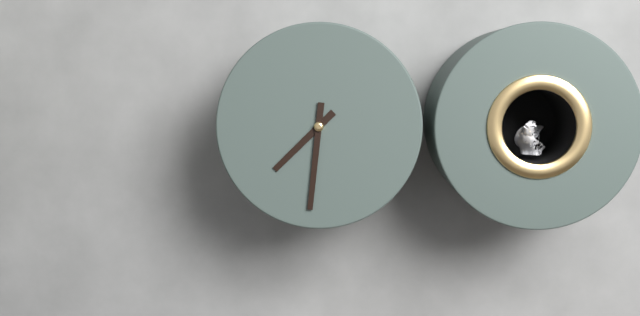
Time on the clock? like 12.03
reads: 7.31
